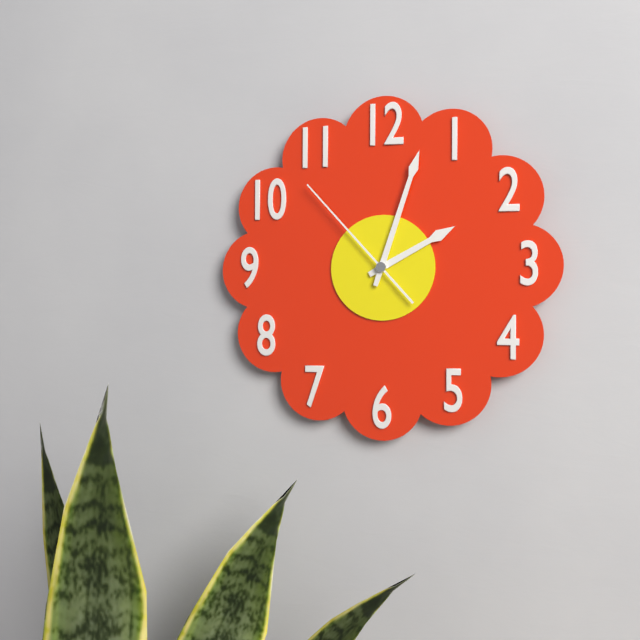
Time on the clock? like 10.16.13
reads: 2.03.53
